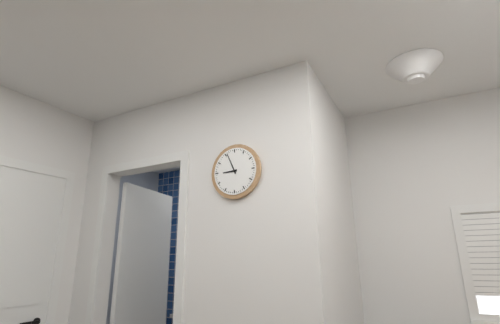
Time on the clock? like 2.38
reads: 8.56
